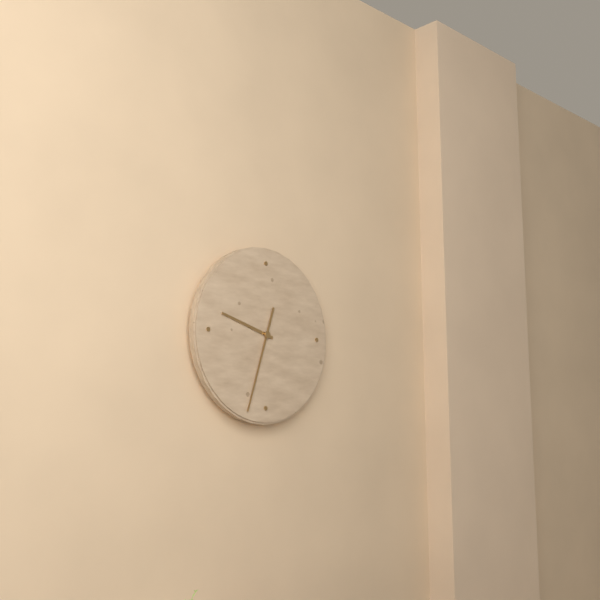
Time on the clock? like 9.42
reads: 9.33
